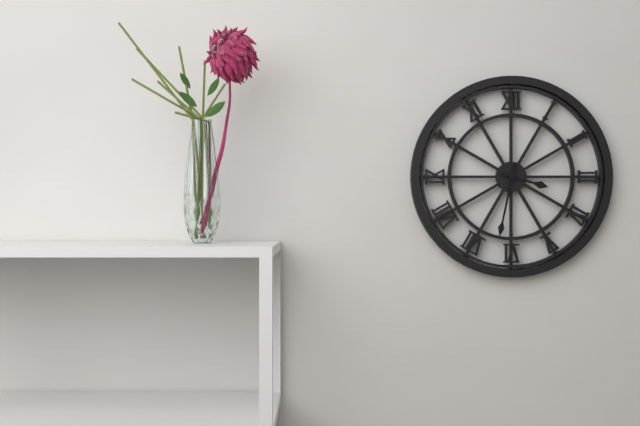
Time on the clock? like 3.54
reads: 3.32
